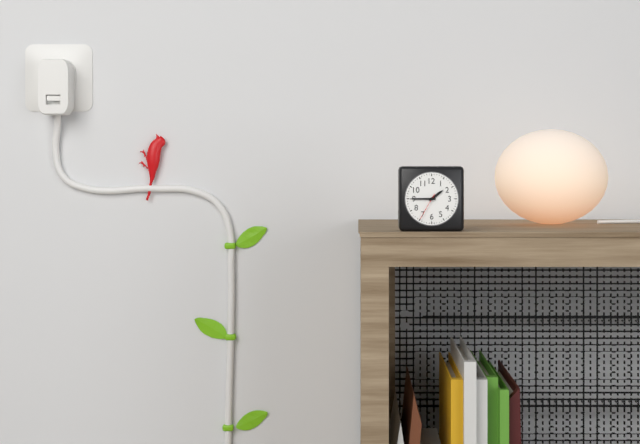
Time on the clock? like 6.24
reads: 1.45
